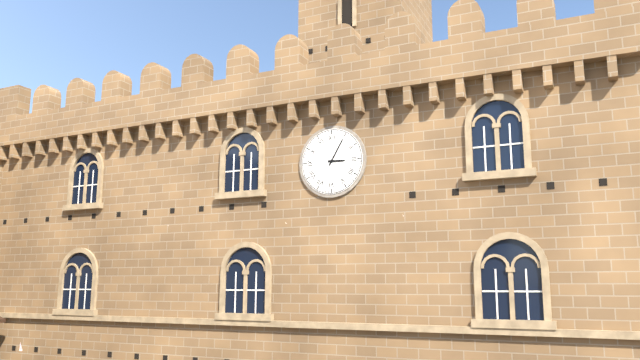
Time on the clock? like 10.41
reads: 3.05
